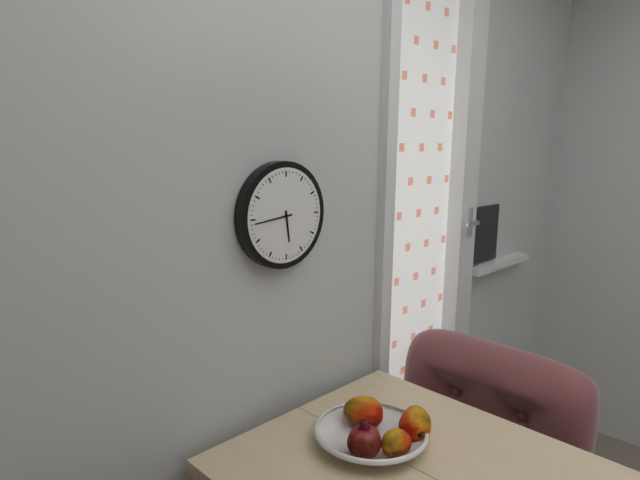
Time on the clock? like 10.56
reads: 5.44
